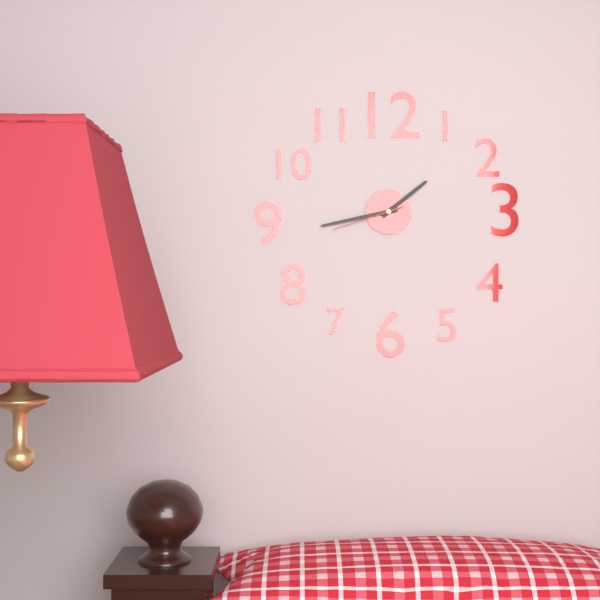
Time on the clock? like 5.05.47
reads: 1.43.42
